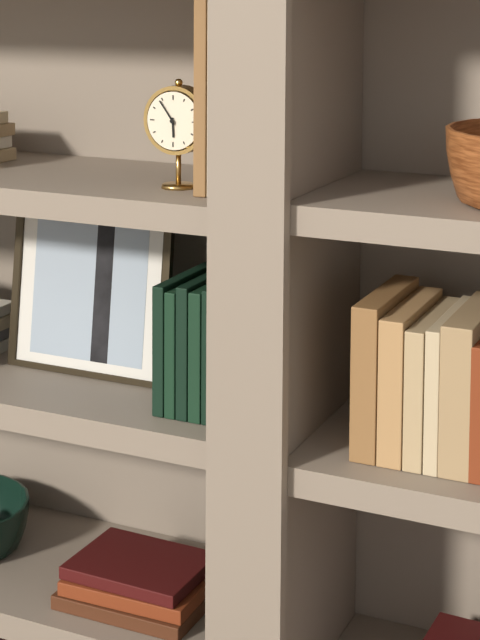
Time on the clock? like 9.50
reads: 5.54
